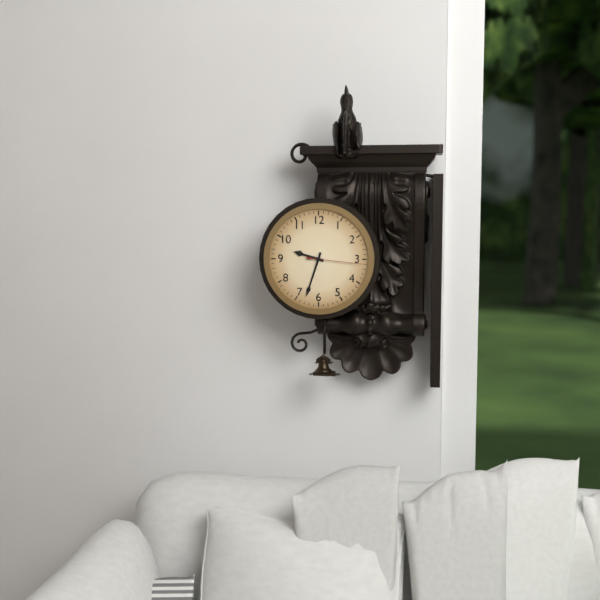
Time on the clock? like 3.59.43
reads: 9.33.16
